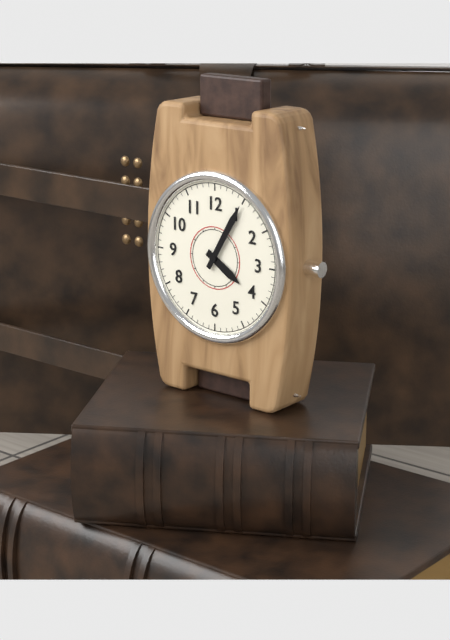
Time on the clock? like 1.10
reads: 4.05
